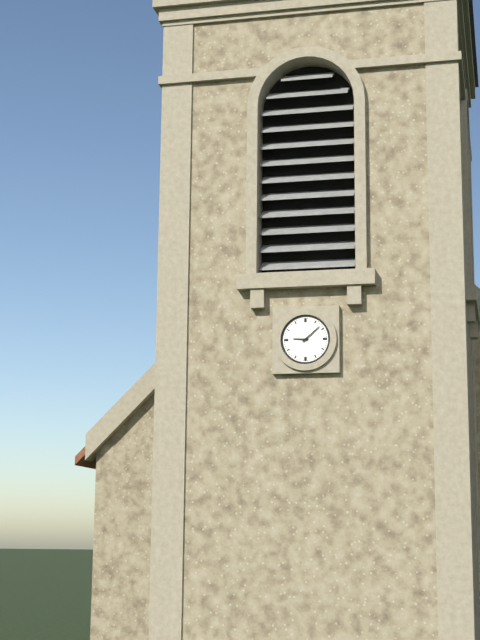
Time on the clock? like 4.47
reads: 9.08
